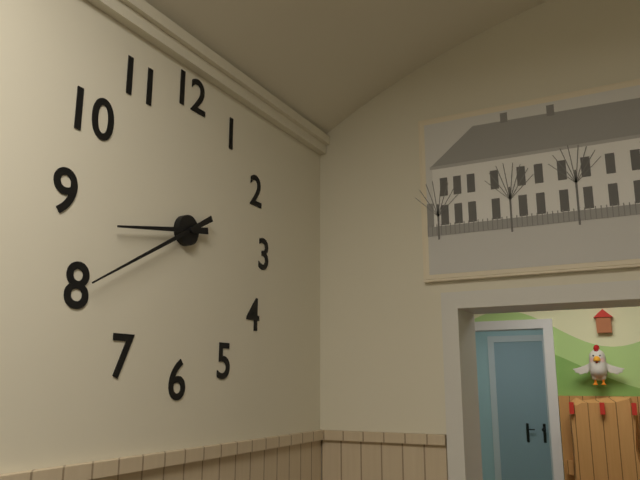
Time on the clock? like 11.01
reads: 8.40
